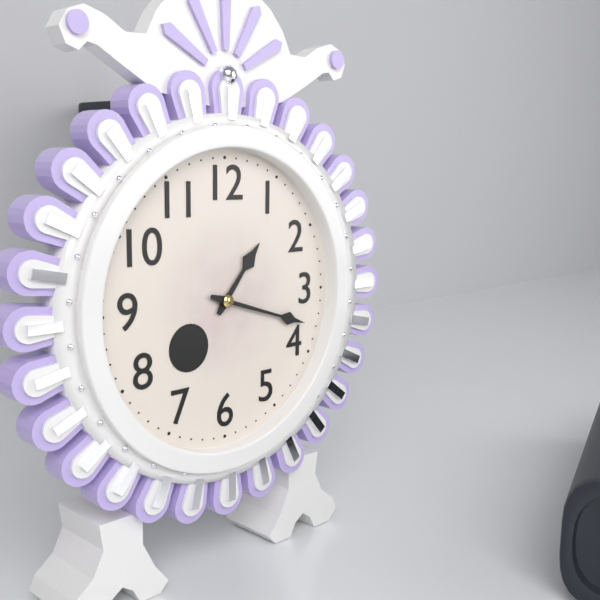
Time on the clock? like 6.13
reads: 1.18
